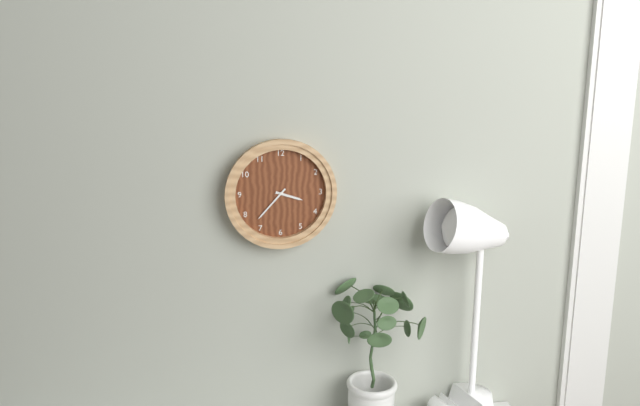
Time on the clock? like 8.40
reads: 3.37
